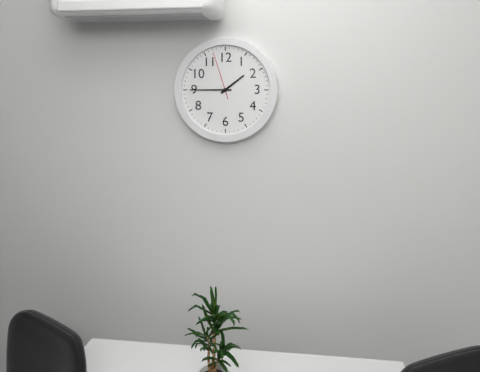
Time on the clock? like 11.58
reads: 1.45
